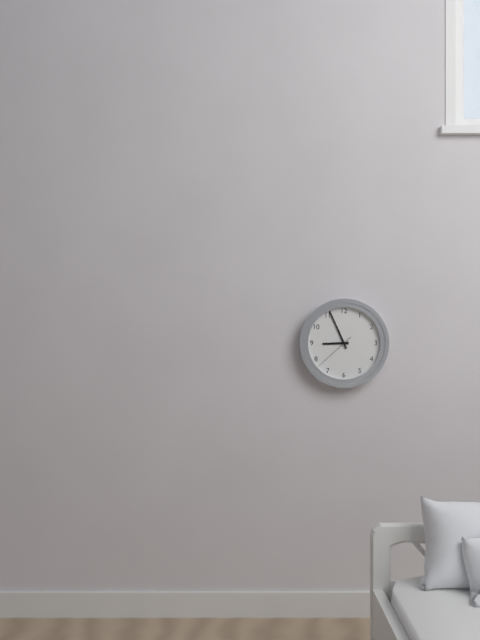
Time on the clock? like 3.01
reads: 8.56
